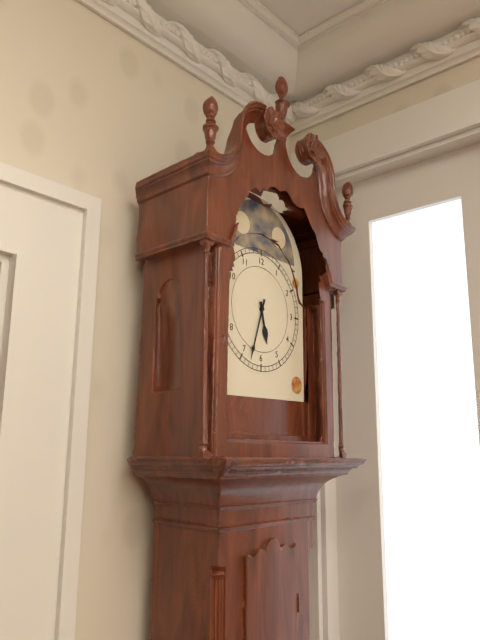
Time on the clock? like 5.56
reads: 5.33
